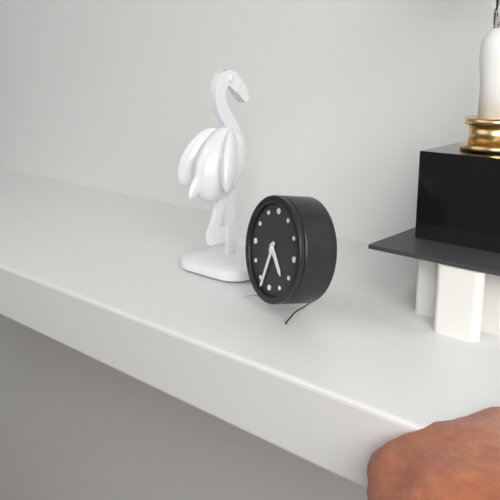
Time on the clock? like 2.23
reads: 4.33
